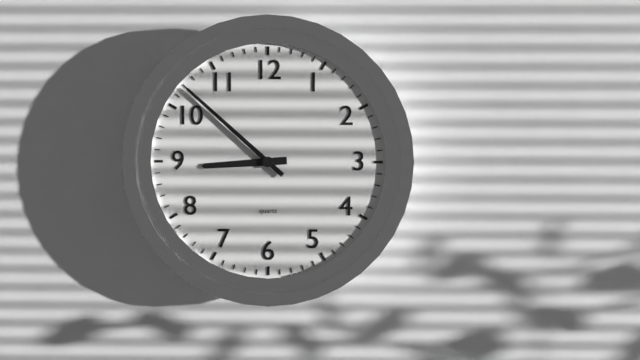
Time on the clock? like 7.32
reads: 8.52
